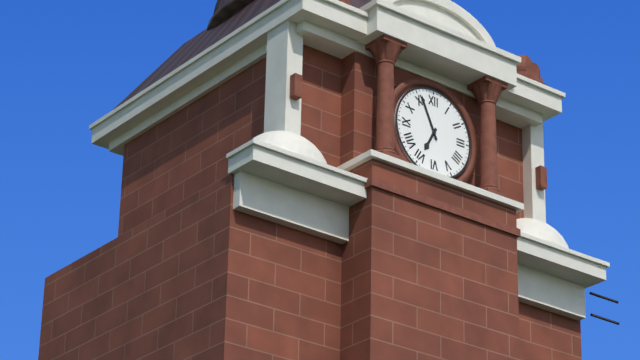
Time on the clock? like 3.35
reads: 6.56
